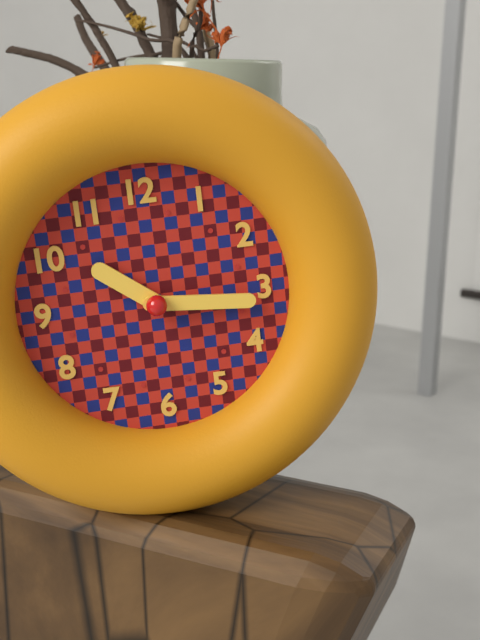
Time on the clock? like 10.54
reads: 10.16
